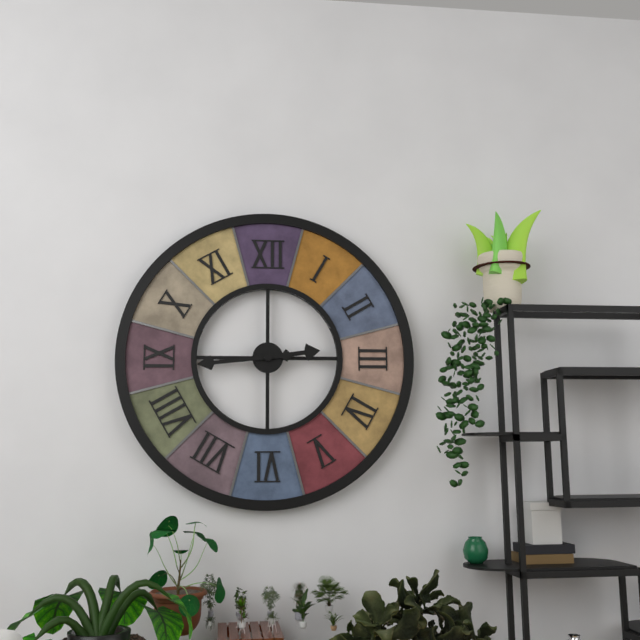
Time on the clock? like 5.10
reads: 2.44
